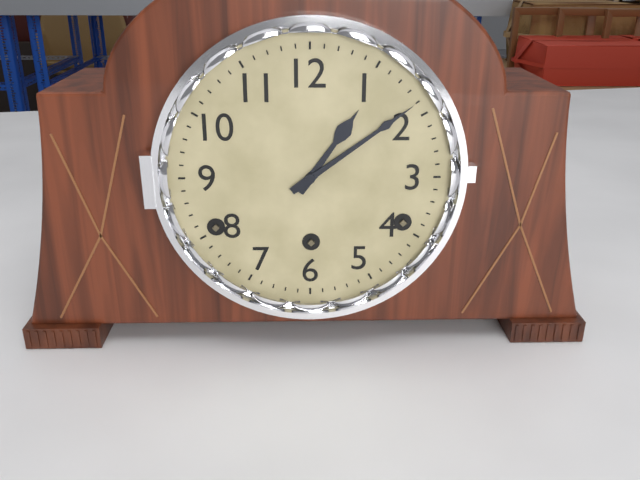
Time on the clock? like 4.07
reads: 1.09
